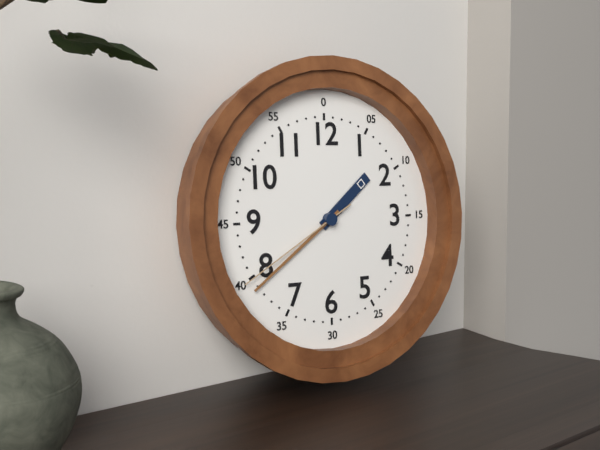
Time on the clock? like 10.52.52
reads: 1.39.40
